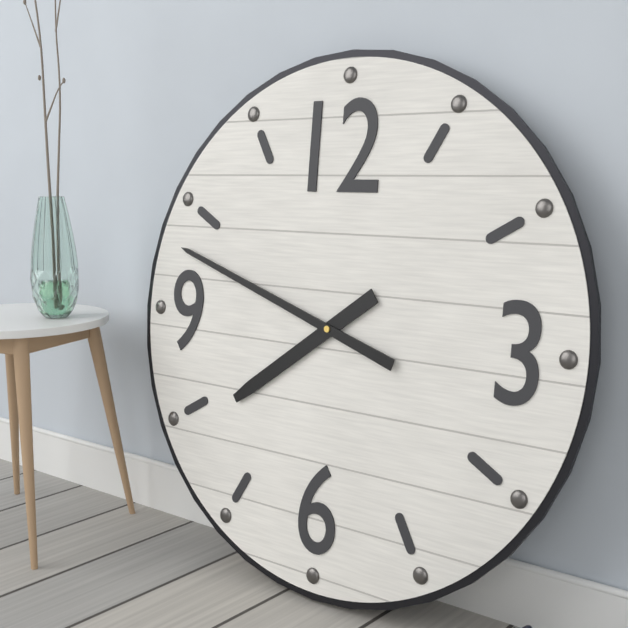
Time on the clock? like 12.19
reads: 7.48
